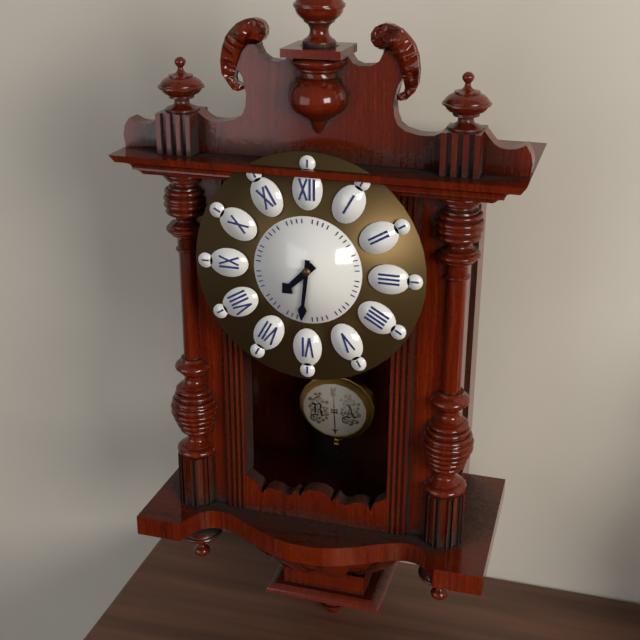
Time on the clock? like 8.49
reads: 7.31
